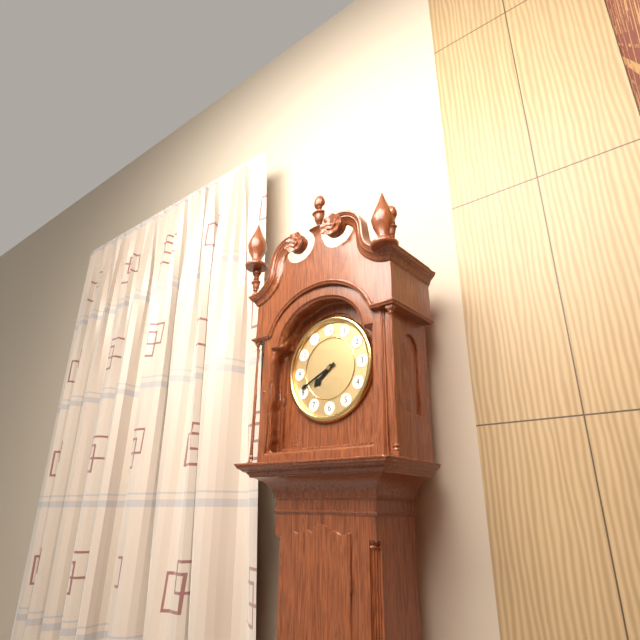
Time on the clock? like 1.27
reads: 7.41
